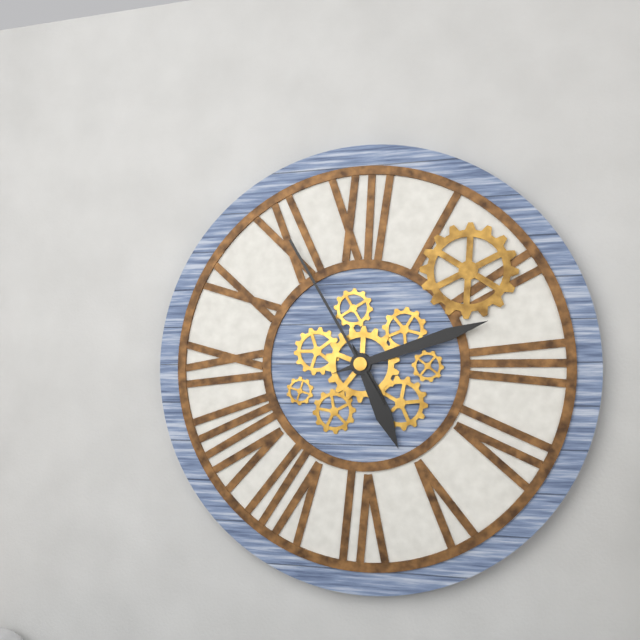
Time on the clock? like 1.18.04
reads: 5.12.55
